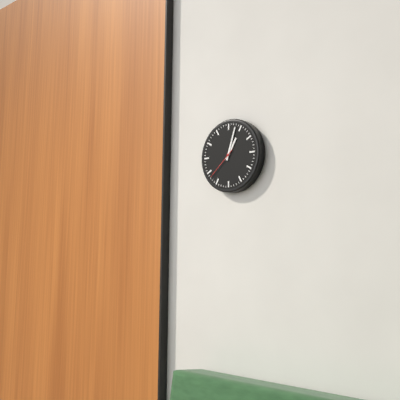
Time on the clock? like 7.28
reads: 1.03
